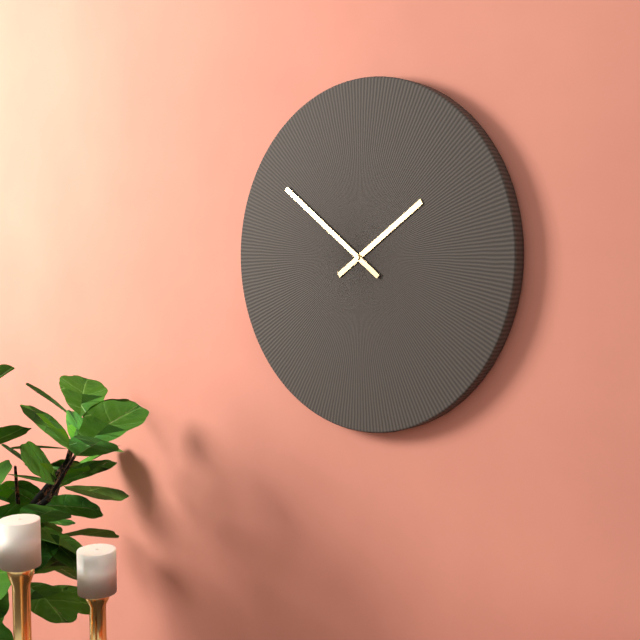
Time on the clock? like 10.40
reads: 1.51
